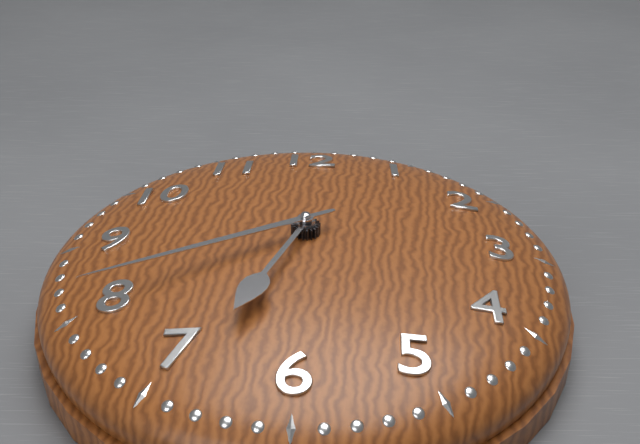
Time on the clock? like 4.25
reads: 6.40
